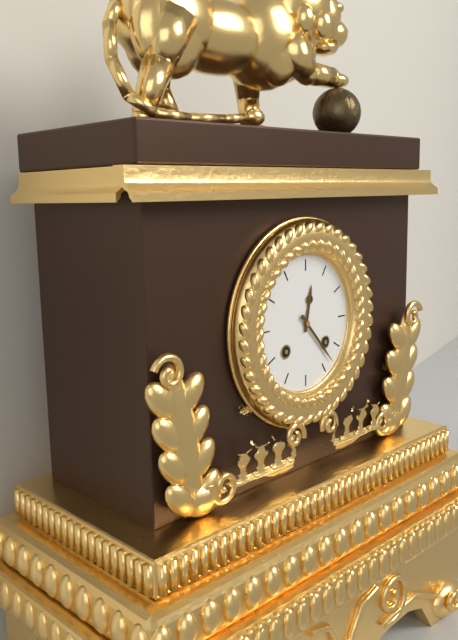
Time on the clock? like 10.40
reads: 12.23
